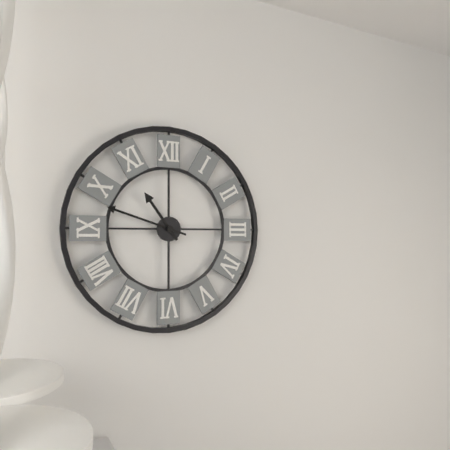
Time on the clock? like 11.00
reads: 10.48
